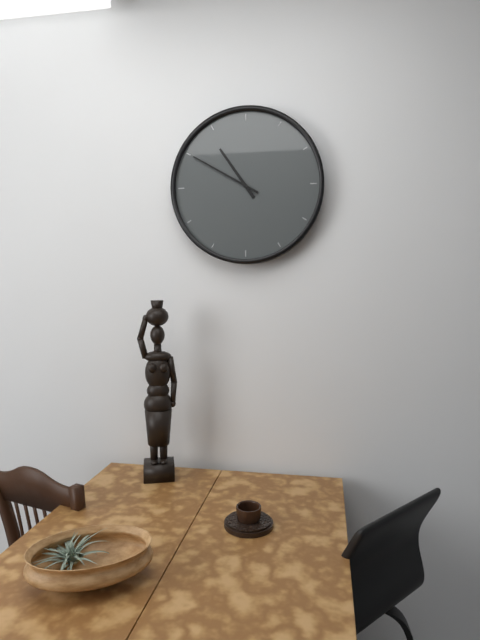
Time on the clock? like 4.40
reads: 10.50
